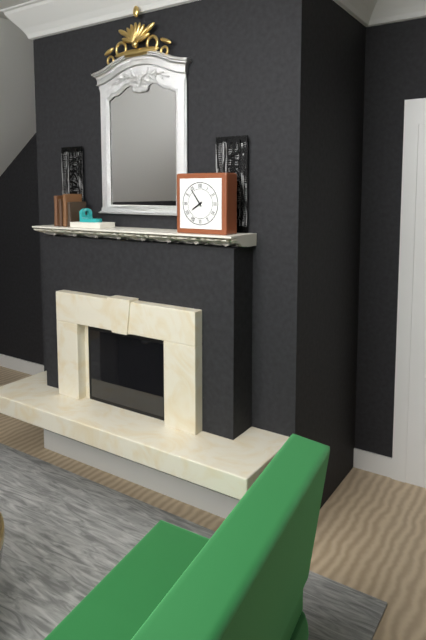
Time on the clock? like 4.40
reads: 7.54
